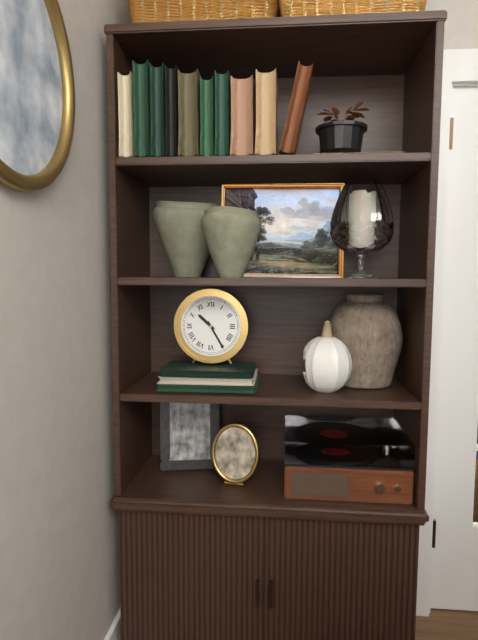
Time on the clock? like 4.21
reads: 10.25
